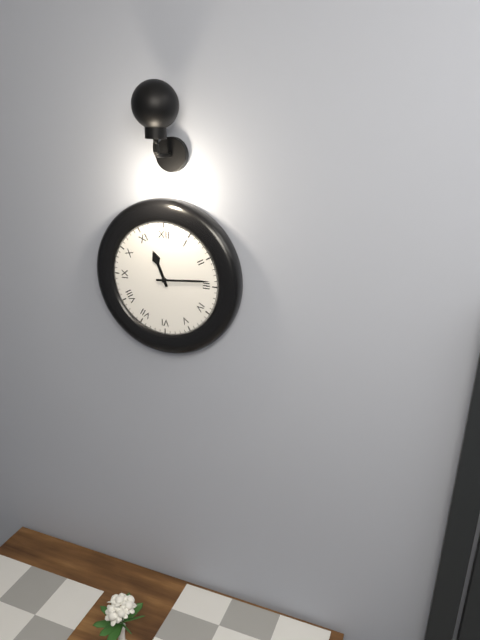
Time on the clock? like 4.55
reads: 11.14
